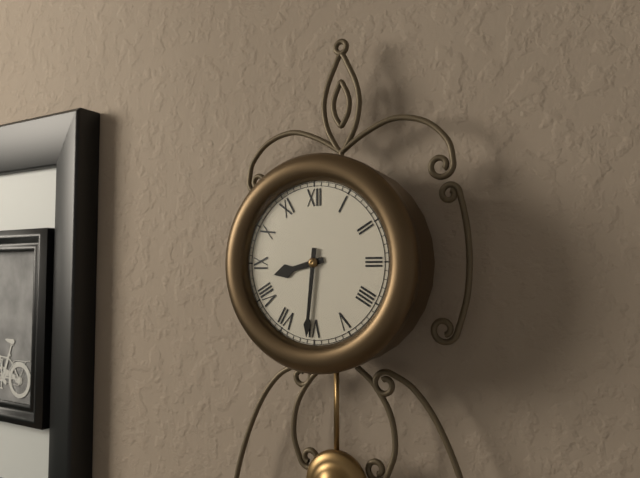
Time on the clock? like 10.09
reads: 8.31
